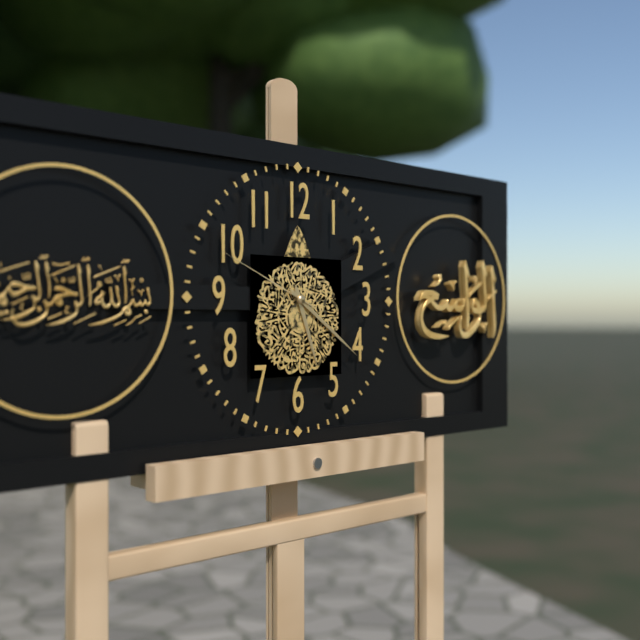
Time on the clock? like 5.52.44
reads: 5.21.49
